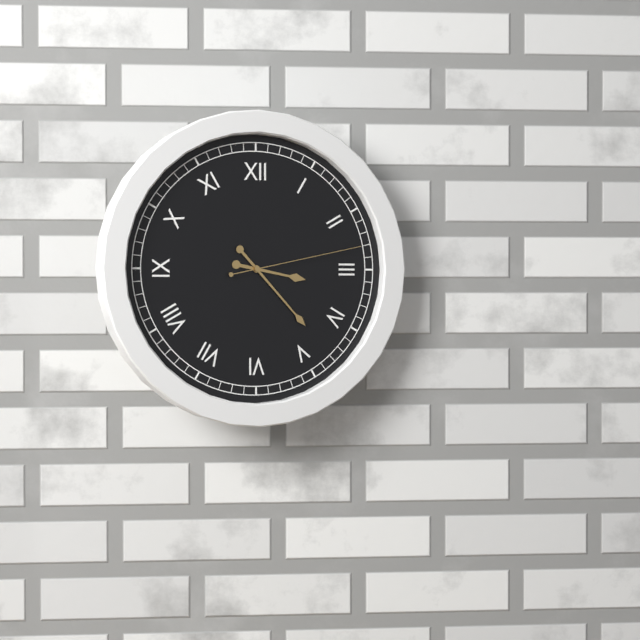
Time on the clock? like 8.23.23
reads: 3.23.13
